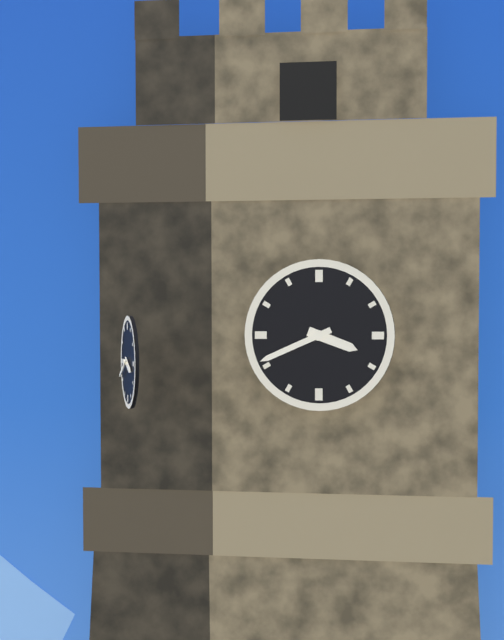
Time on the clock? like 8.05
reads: 3.41
